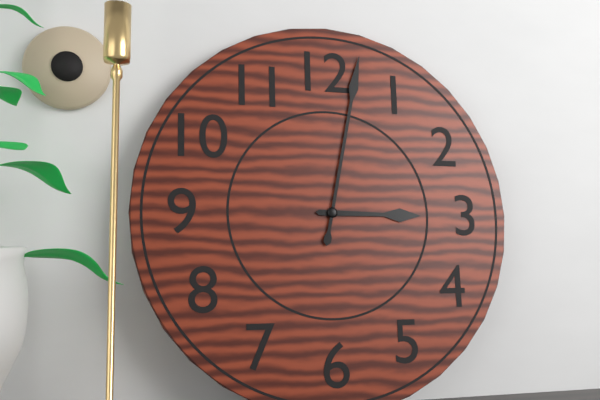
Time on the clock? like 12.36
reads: 3.02
